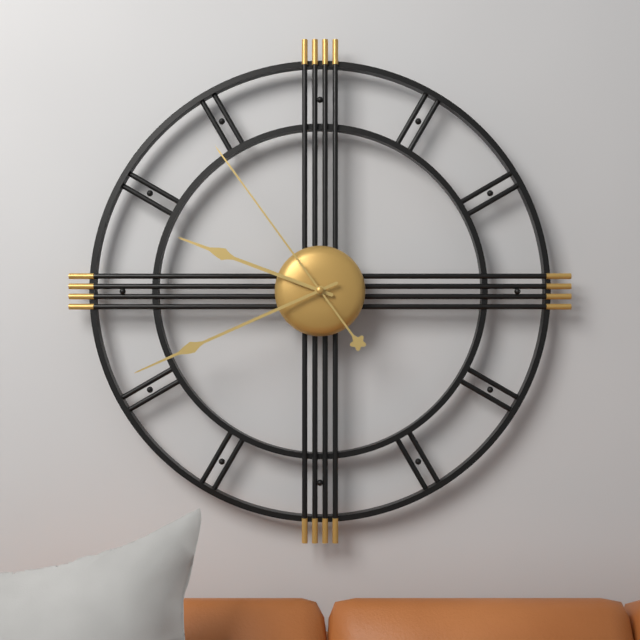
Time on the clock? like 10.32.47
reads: 9.41.54
